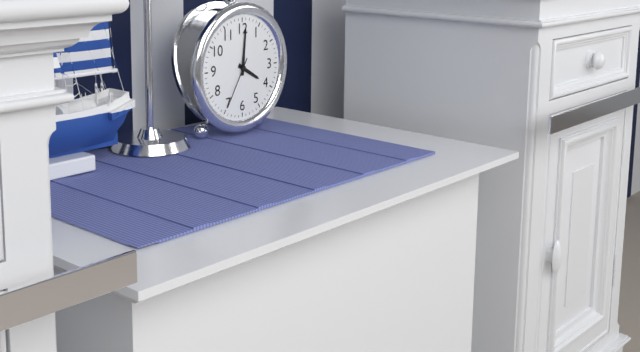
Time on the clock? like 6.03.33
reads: 4.01.35
